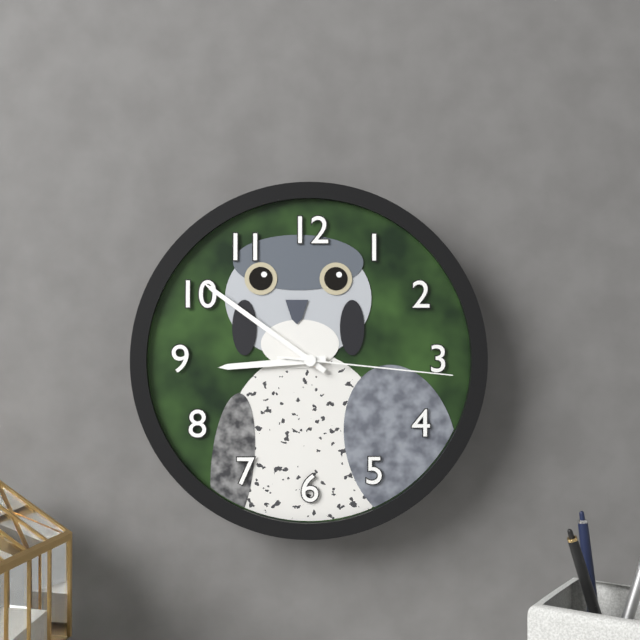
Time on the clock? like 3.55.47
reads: 8.51.16
